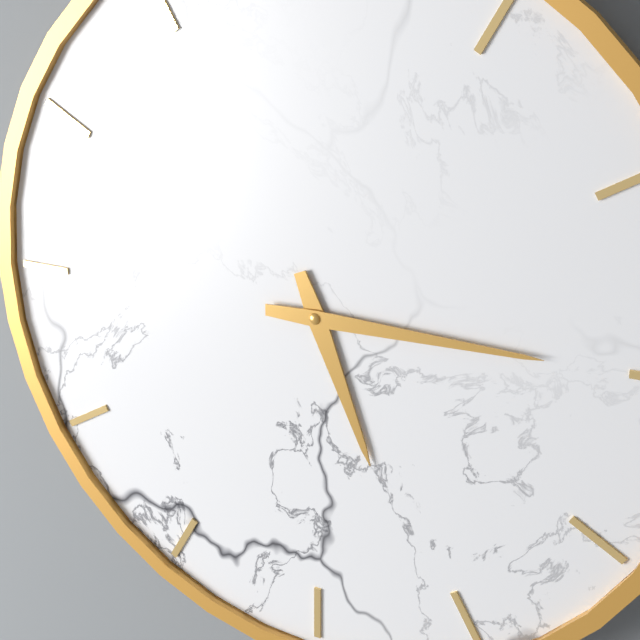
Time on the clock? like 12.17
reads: 5.15
